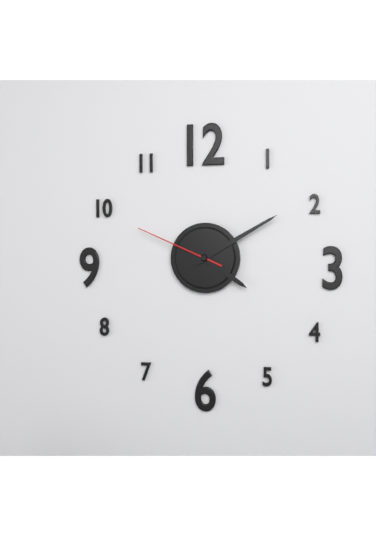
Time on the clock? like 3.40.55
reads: 4.10.49
